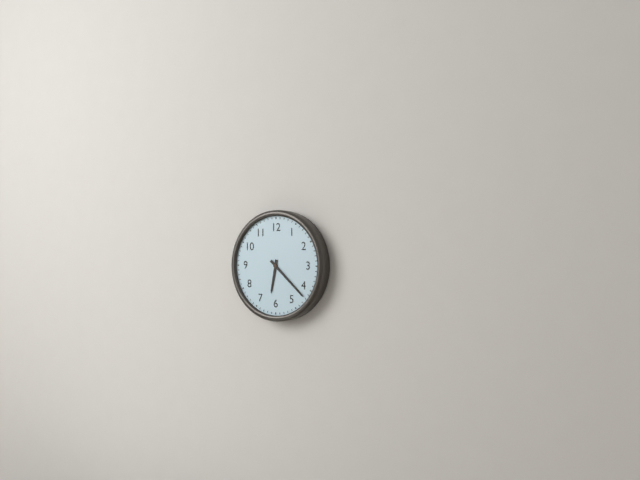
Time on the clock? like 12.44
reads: 6.22
